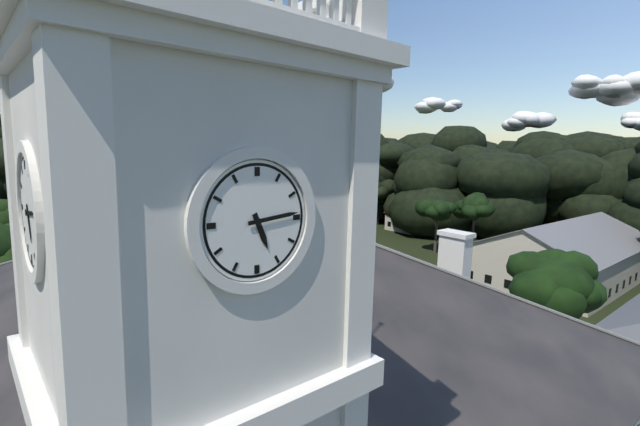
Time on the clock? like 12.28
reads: 5.14
